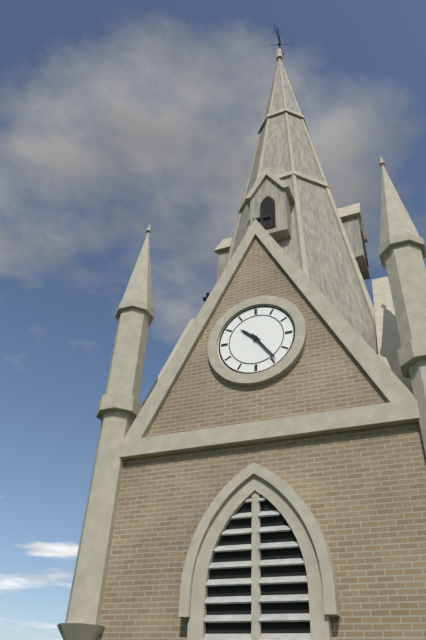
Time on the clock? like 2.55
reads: 10.24
